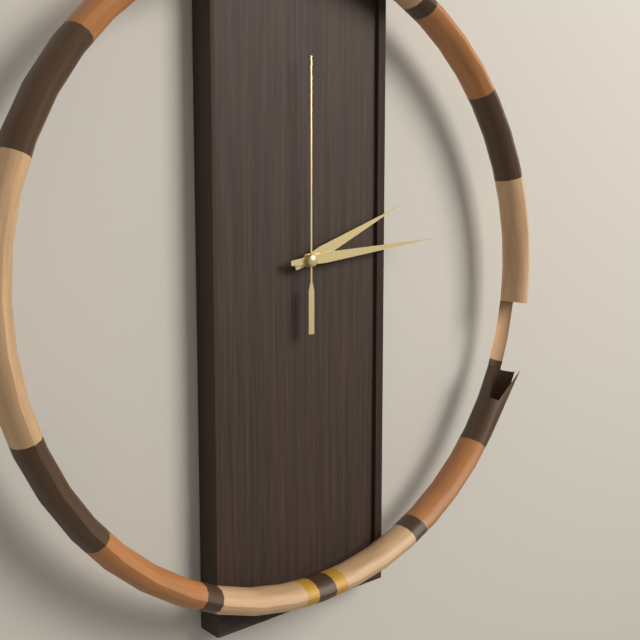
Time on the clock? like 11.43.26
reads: 2.14.00
